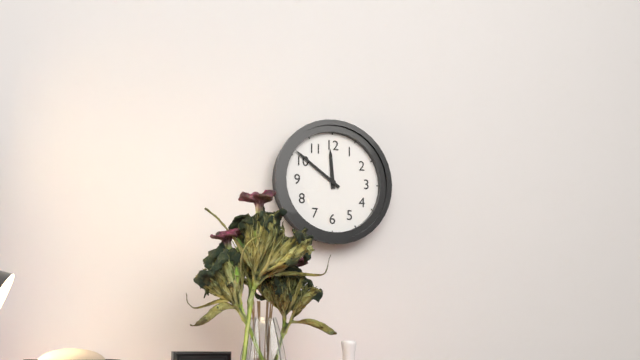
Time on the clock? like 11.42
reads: 11.51
